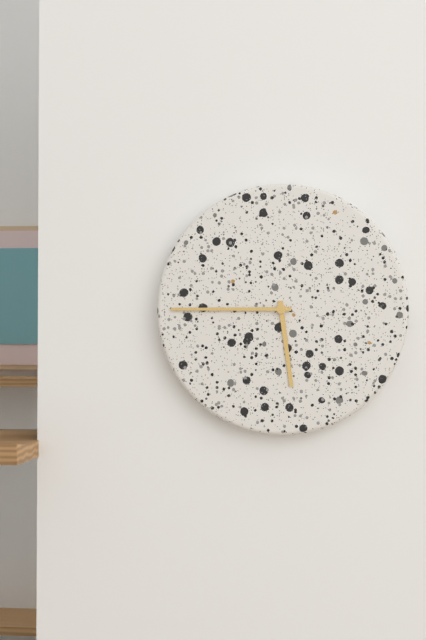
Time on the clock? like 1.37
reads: 5.45
